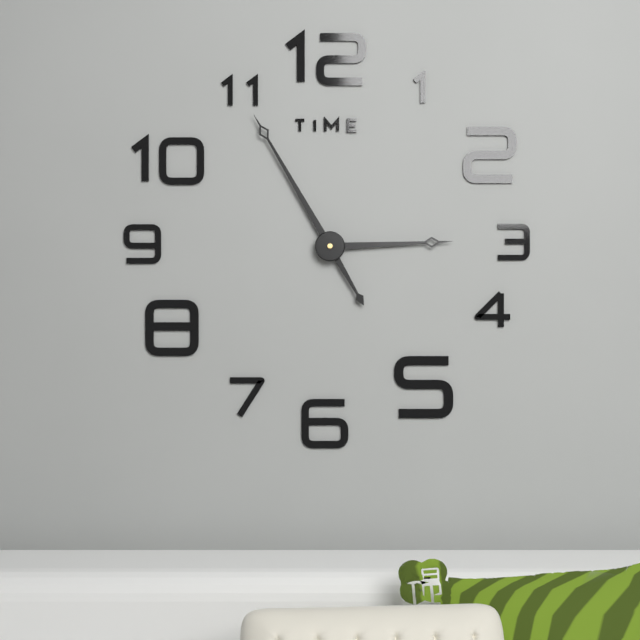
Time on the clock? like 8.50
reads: 2.55
